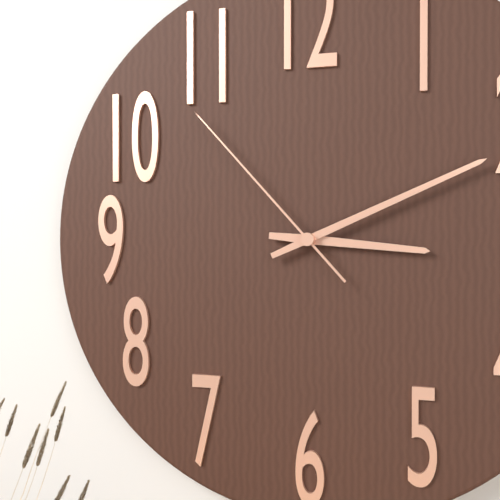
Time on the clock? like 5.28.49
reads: 3.11.53
